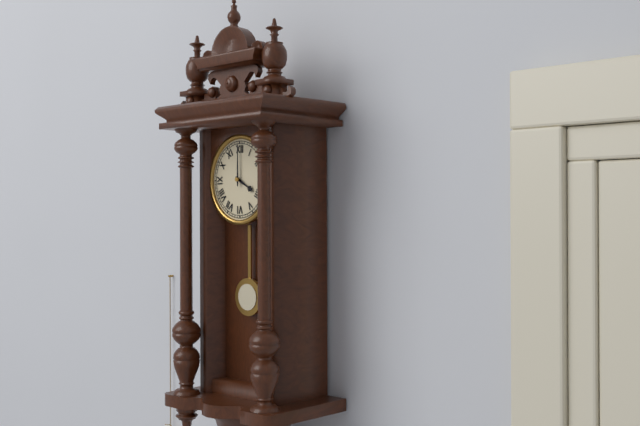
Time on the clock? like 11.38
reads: 4.00
